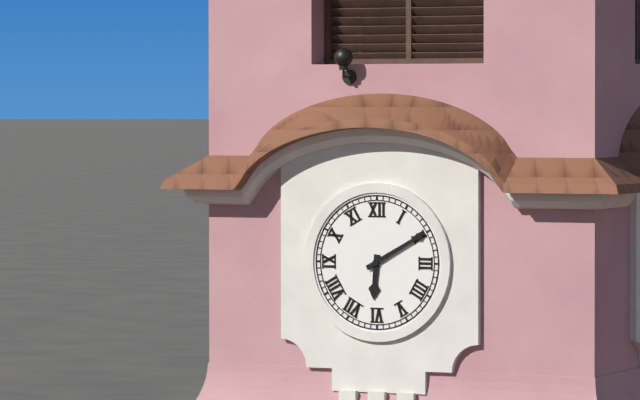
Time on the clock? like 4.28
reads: 6.10
